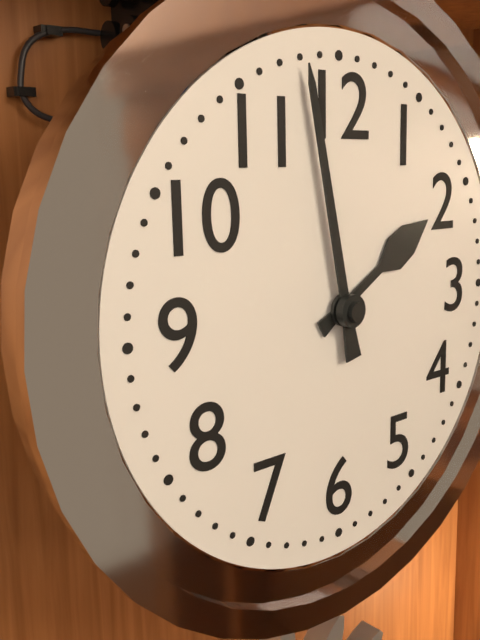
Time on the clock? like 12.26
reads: 1.58
